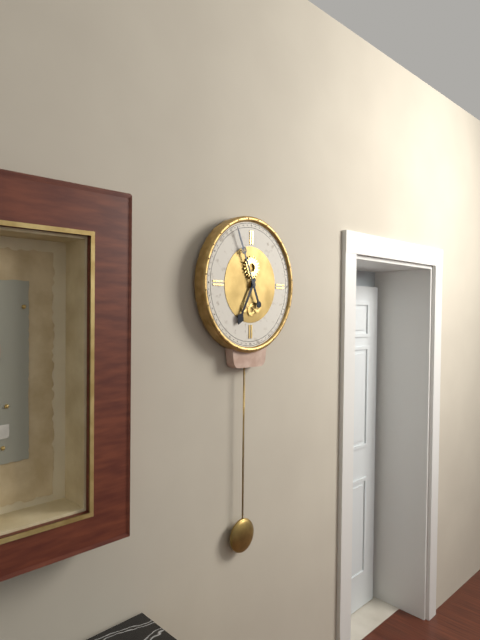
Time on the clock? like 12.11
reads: 6.56
